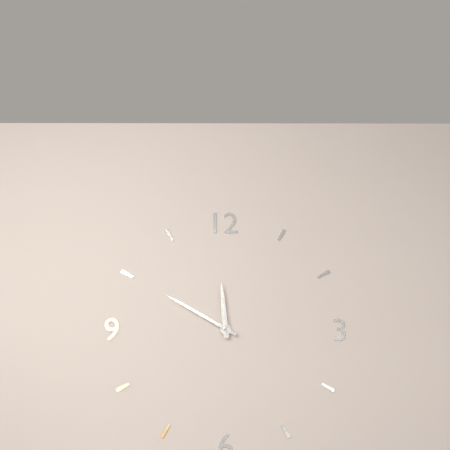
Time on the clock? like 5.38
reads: 11.50
